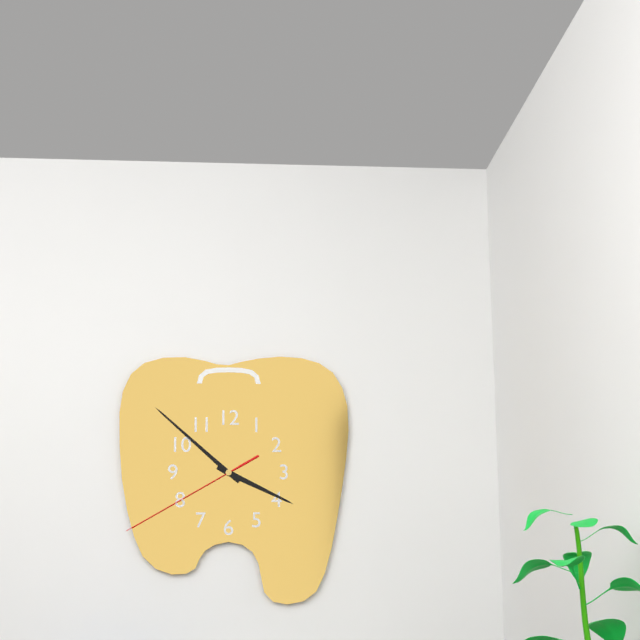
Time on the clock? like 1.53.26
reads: 3.52.40
